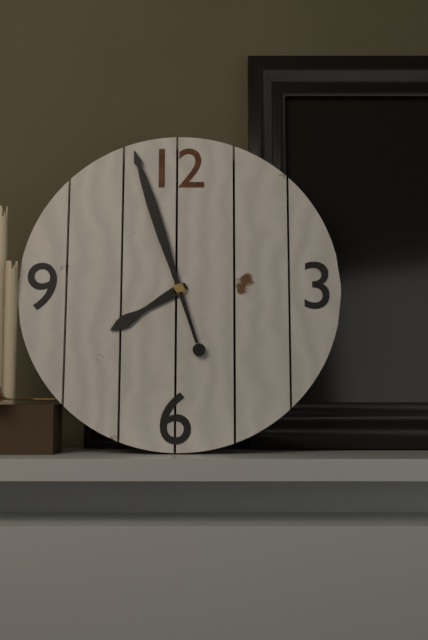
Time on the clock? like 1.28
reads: 7.57
